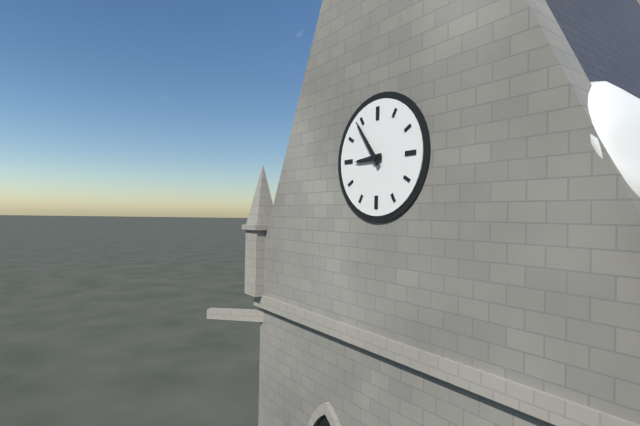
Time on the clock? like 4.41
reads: 8.54
